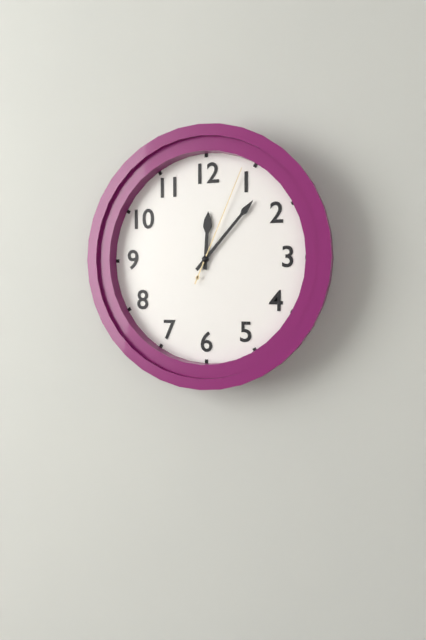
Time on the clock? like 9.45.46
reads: 12.07.04
